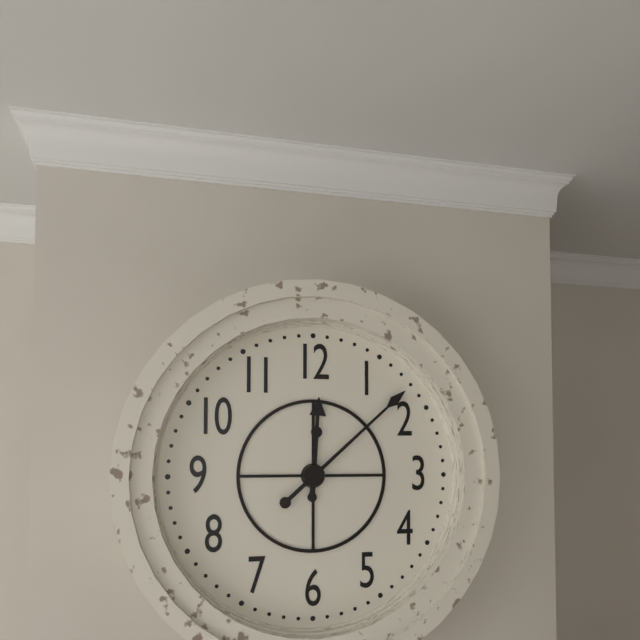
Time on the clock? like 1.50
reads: 12.08
